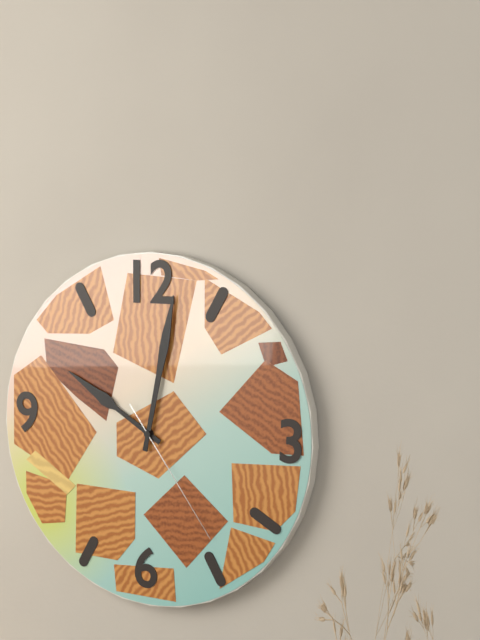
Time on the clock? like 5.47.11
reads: 10.02.24
